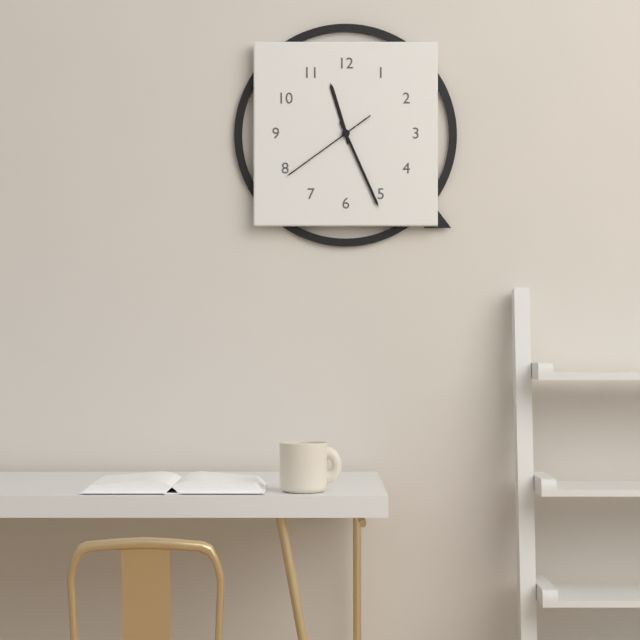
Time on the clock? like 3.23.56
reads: 11.26.39
